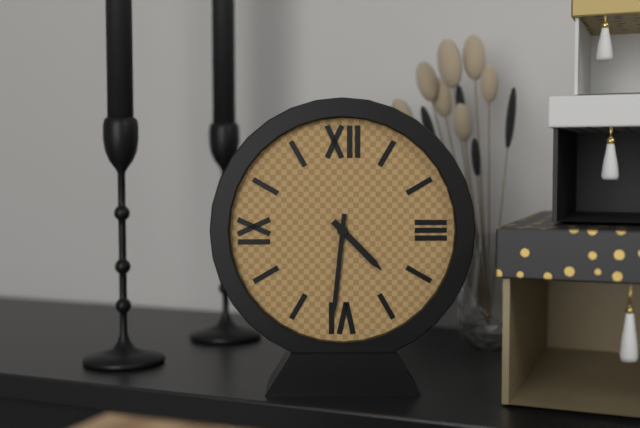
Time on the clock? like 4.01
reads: 4.31
